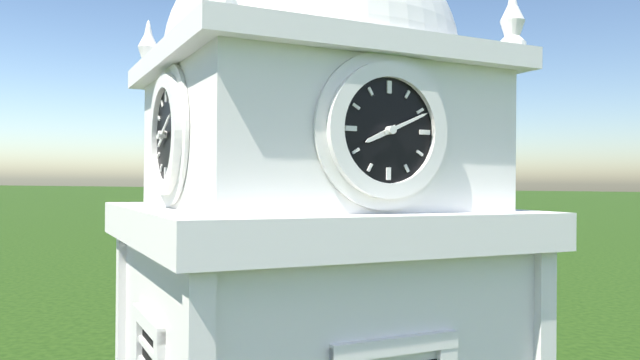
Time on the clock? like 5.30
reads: 8.11
